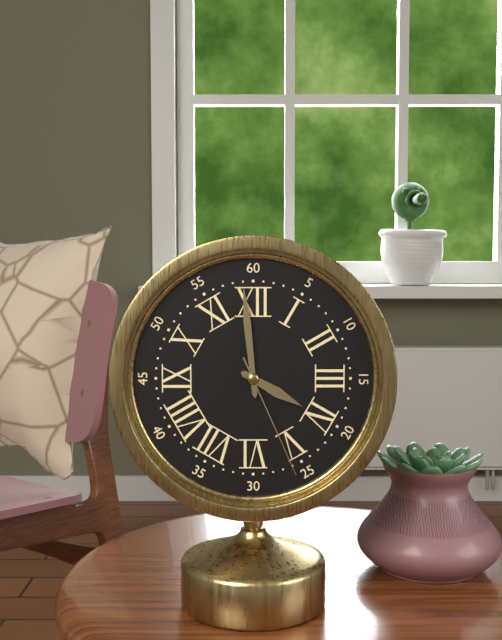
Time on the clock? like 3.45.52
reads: 3.59.26
